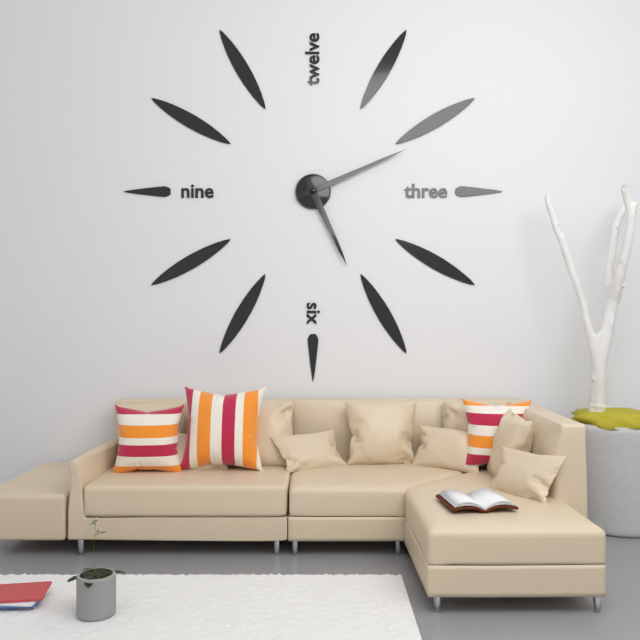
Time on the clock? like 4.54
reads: 5.11
